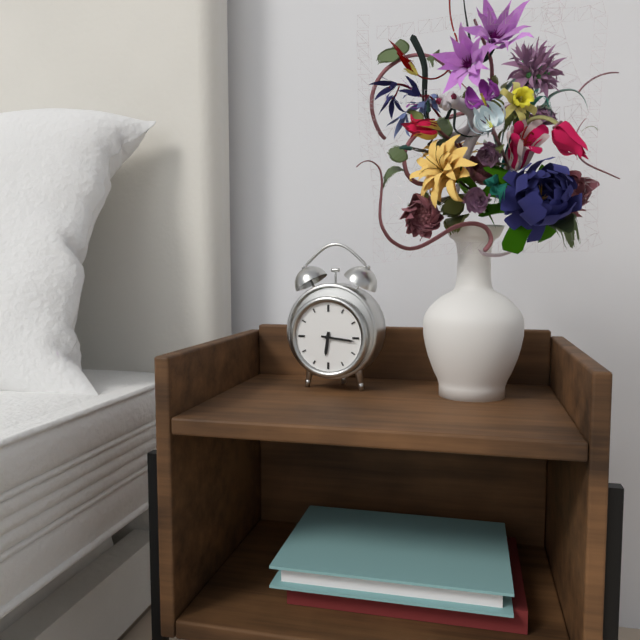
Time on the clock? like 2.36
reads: 6.16
